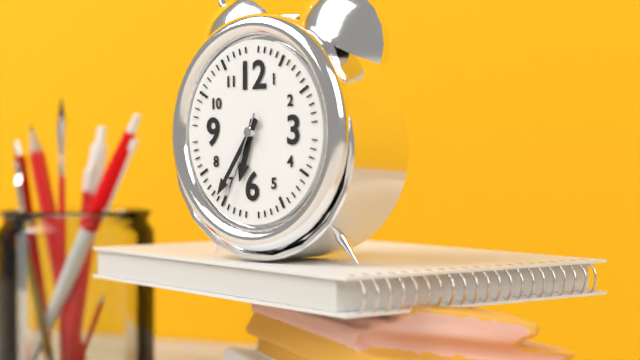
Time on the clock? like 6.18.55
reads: 6.36.34
